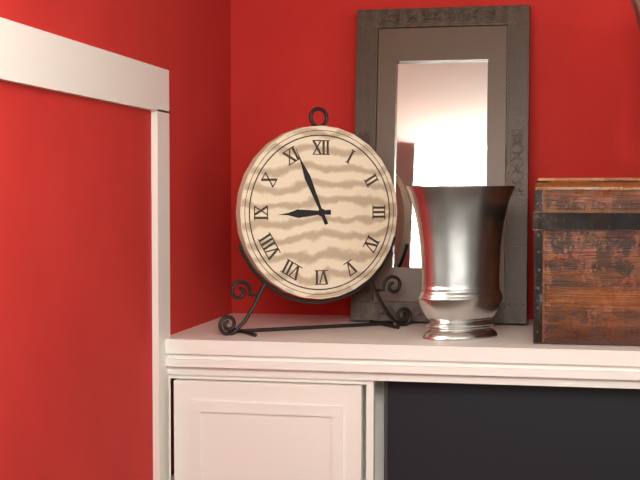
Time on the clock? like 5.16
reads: 8.56
